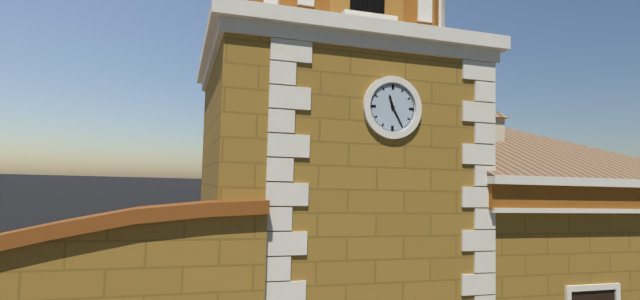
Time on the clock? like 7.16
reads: 11.25
